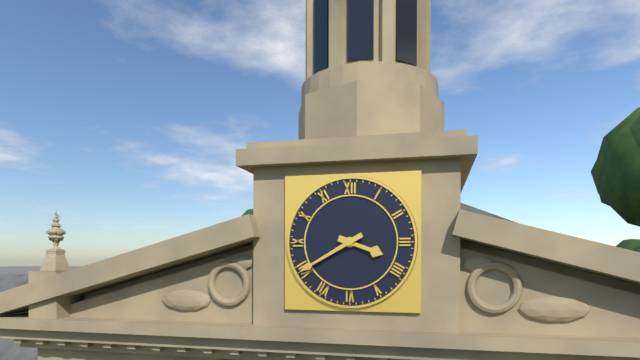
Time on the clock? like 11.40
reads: 3.40
